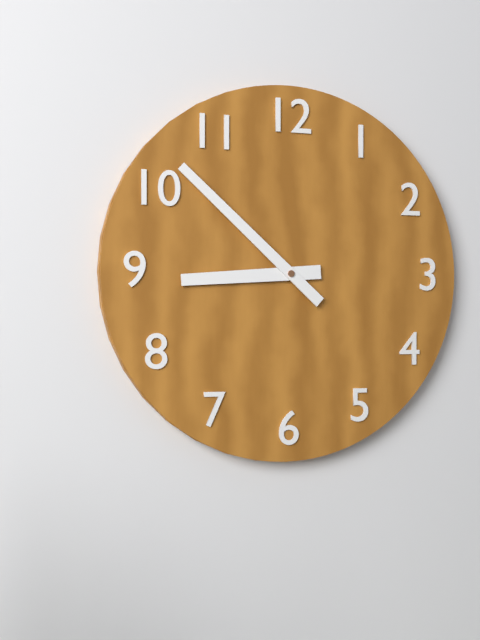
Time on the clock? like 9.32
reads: 8.52
